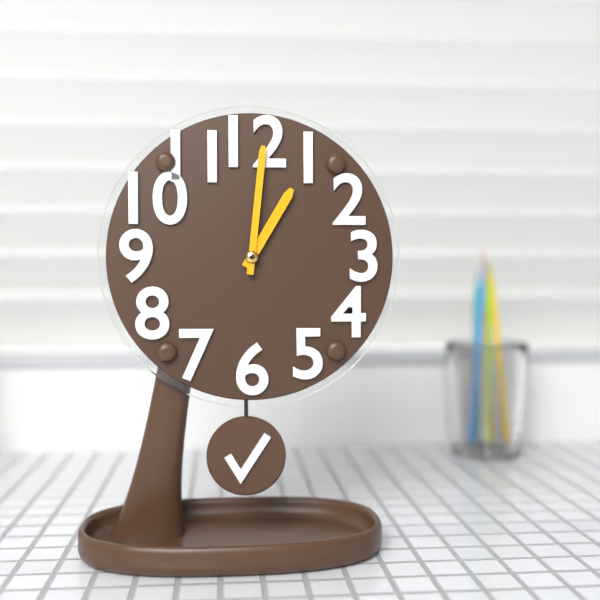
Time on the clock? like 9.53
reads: 1.01
